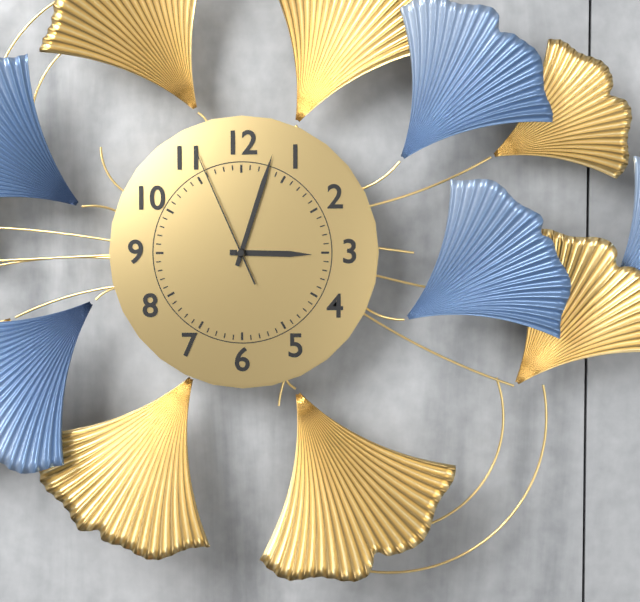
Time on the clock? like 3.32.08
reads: 3.03.56
